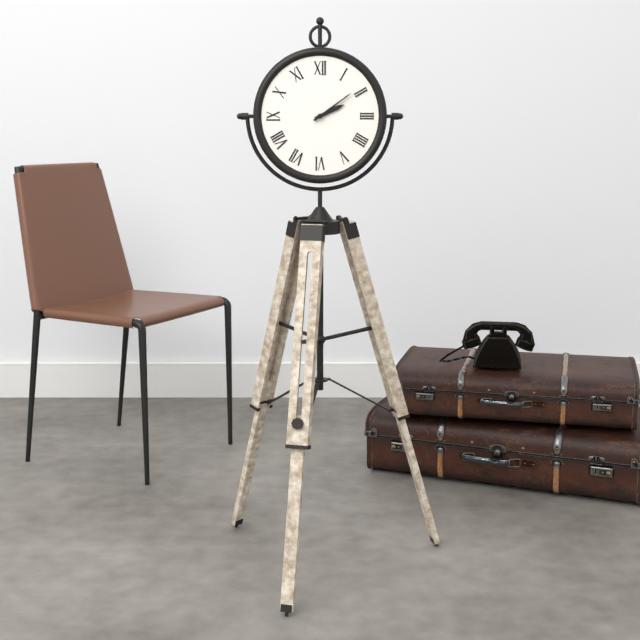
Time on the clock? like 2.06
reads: 2.09
